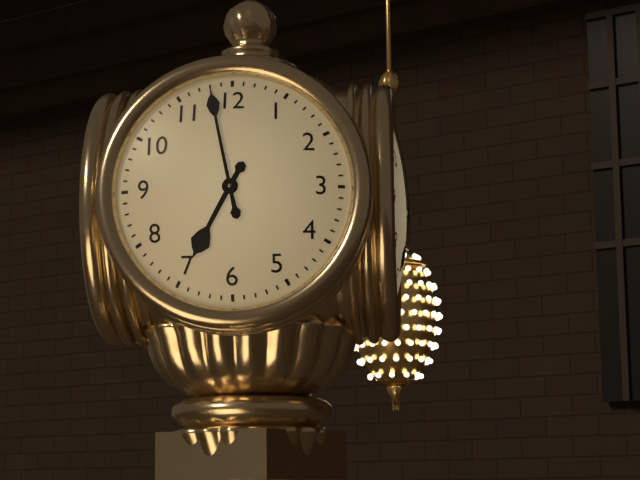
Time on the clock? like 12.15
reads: 6.58
